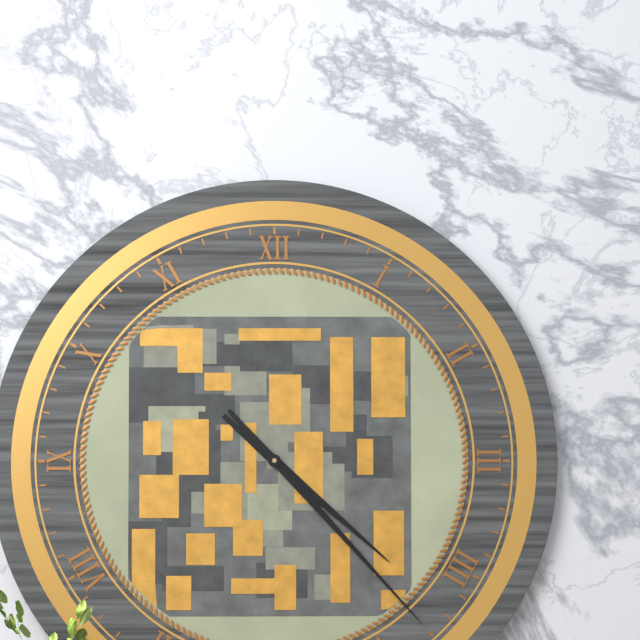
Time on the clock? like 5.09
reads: 4.23
